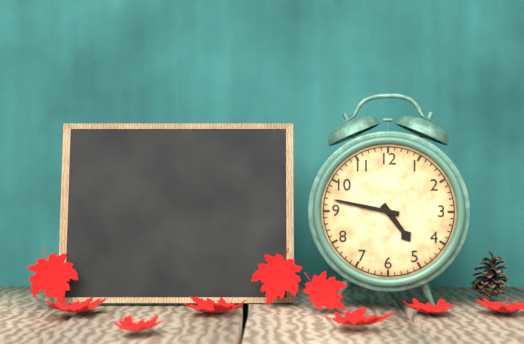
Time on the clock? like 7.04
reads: 4.47
